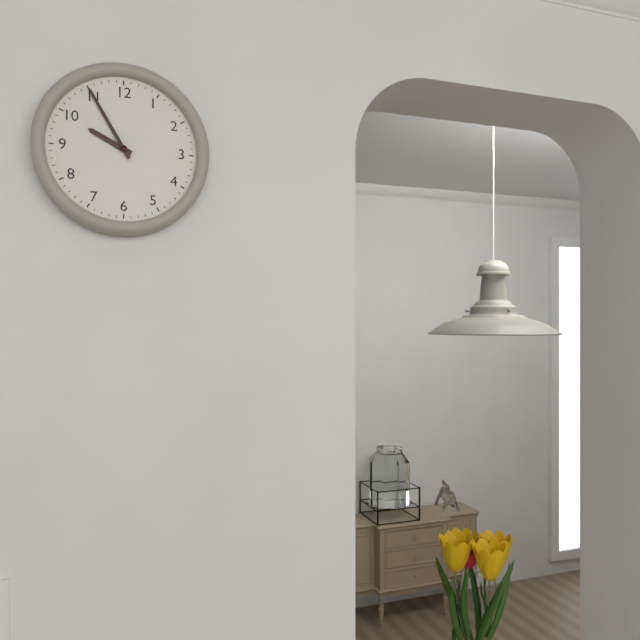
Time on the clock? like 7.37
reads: 9.55
